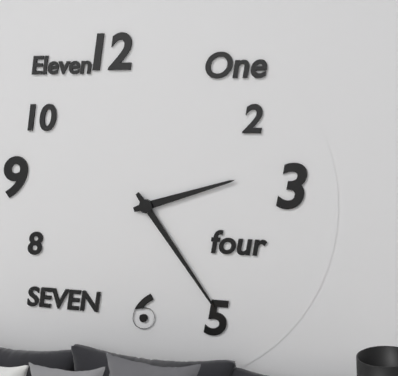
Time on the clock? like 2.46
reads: 2.24
